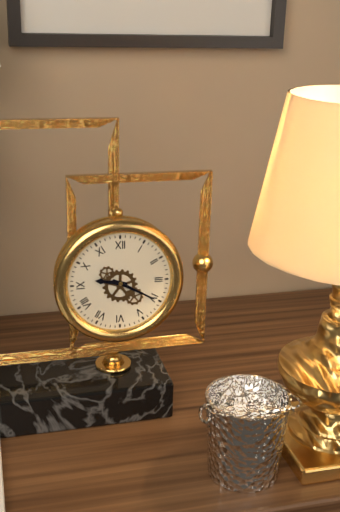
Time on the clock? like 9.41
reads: 9.20
